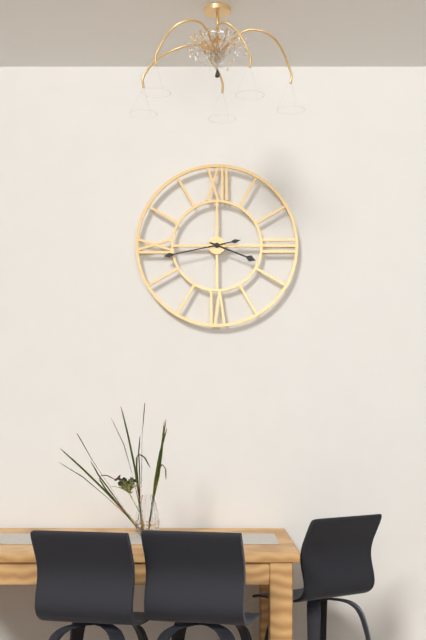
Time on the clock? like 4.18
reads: 3.43
